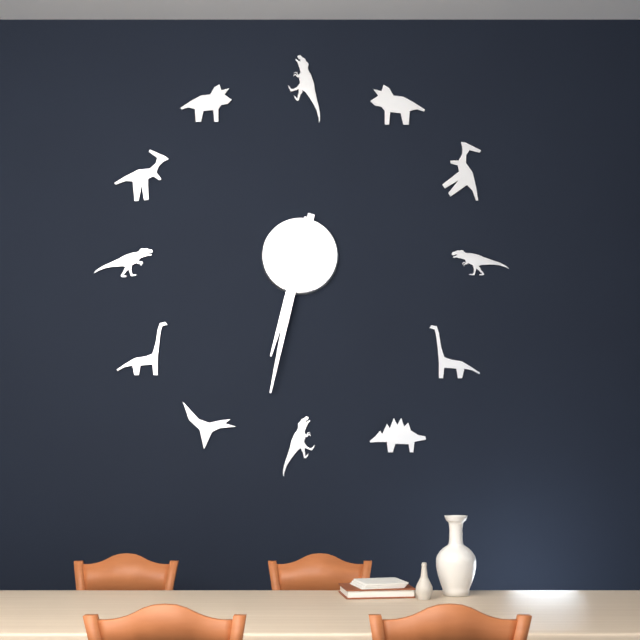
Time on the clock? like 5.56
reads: 6.32
